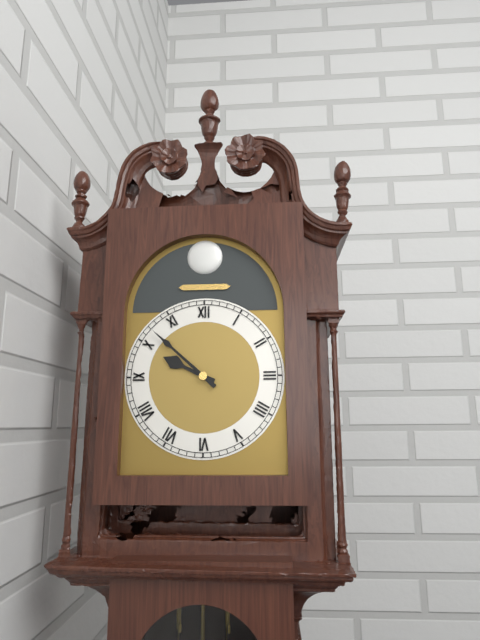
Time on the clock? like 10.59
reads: 9.52
